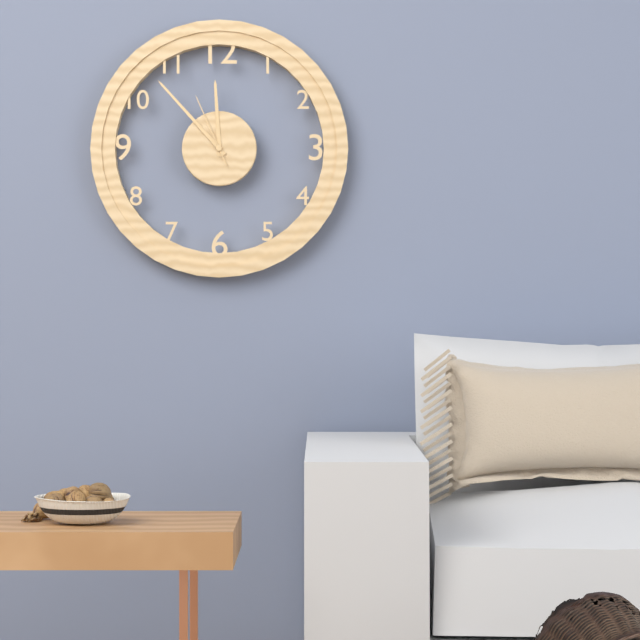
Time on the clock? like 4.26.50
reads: 11.53.56
